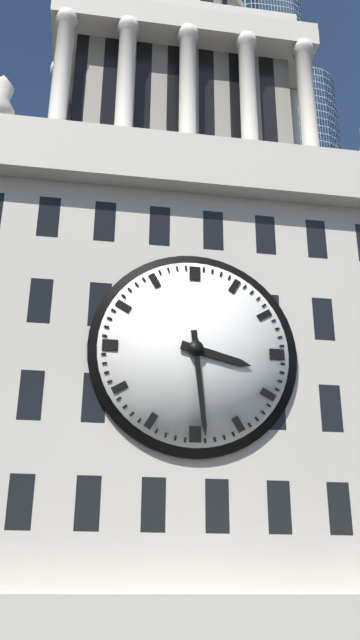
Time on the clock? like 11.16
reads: 3.29
